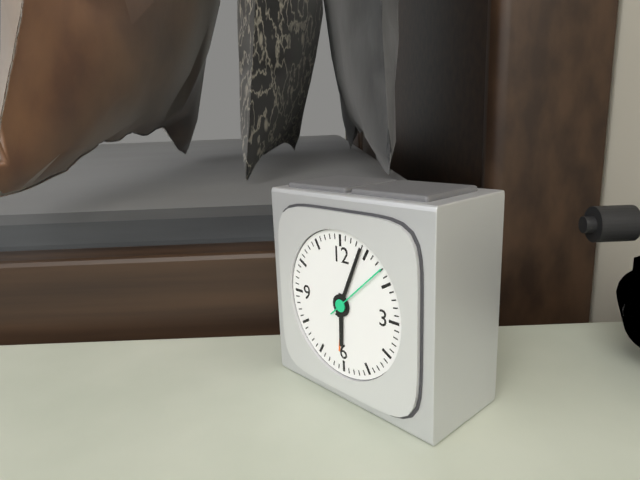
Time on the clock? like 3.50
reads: 6.04
